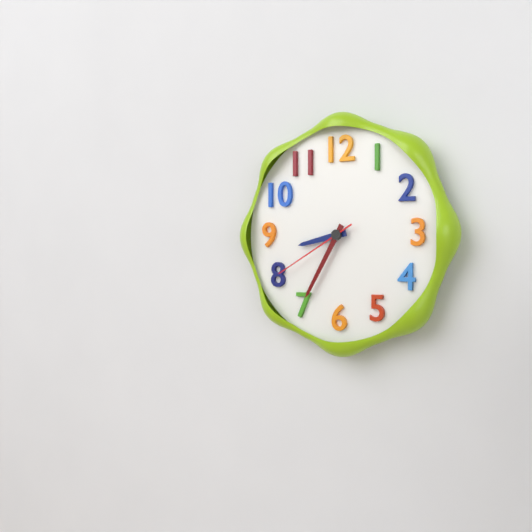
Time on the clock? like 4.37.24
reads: 8.35.40
